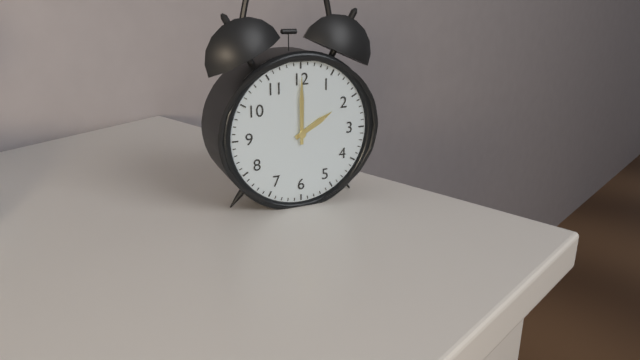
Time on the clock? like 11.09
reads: 2.00
